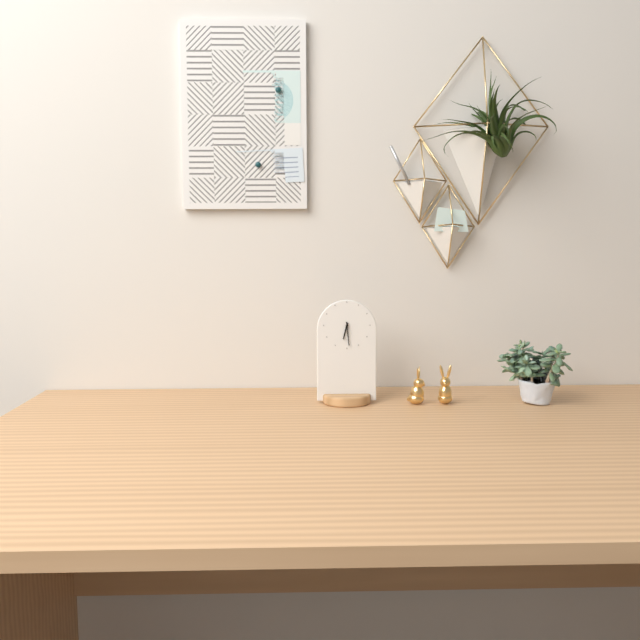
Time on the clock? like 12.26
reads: 6.29
